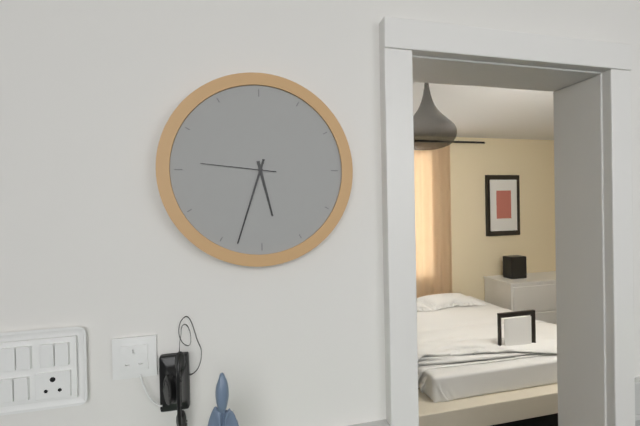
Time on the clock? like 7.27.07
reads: 5.33.46
